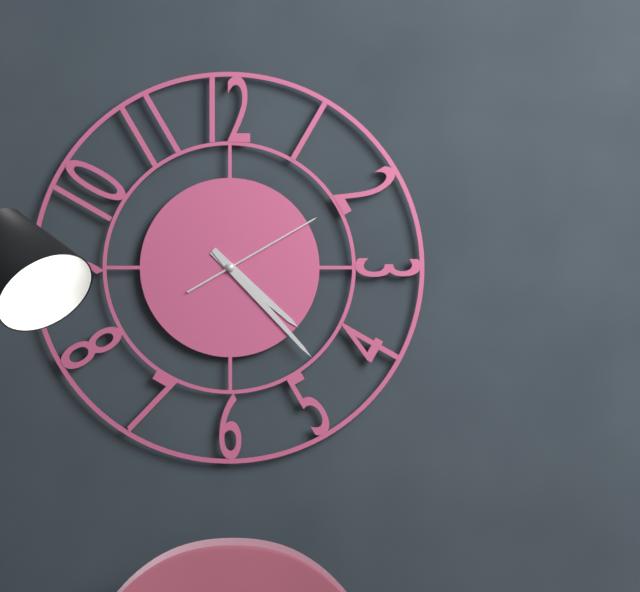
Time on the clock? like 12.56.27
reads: 4.23.10
